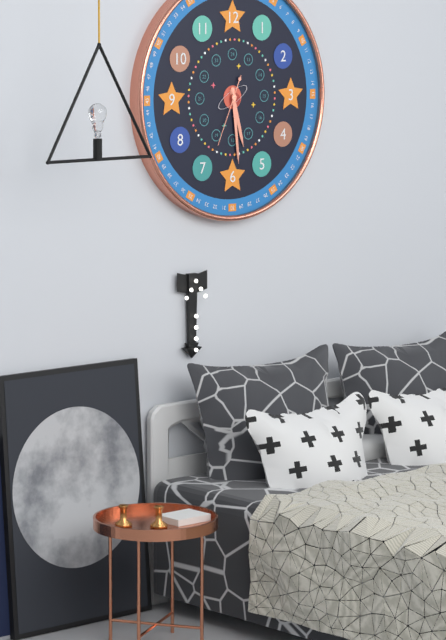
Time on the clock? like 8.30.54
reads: 5.29.34
